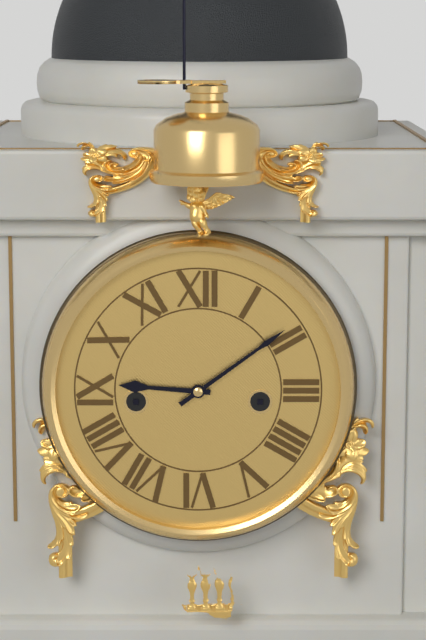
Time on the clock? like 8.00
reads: 9.09
